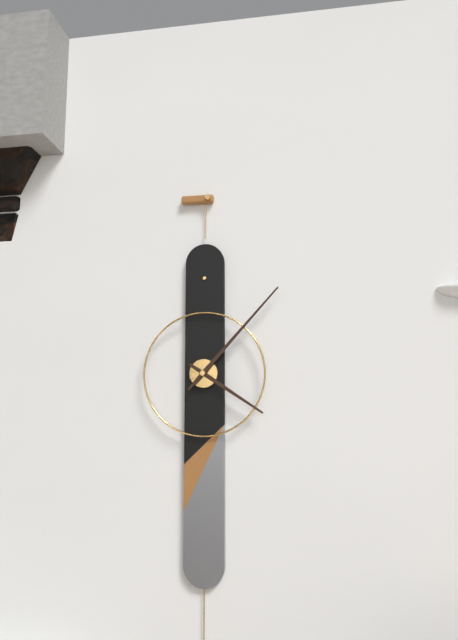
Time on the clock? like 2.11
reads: 4.07
